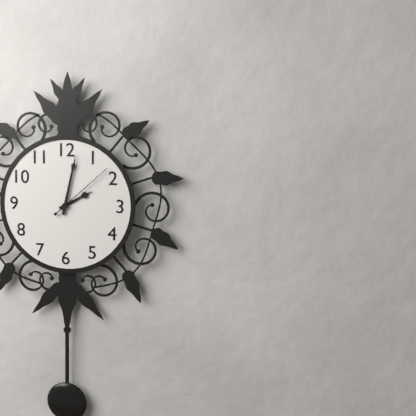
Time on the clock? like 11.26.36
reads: 2.02.08
